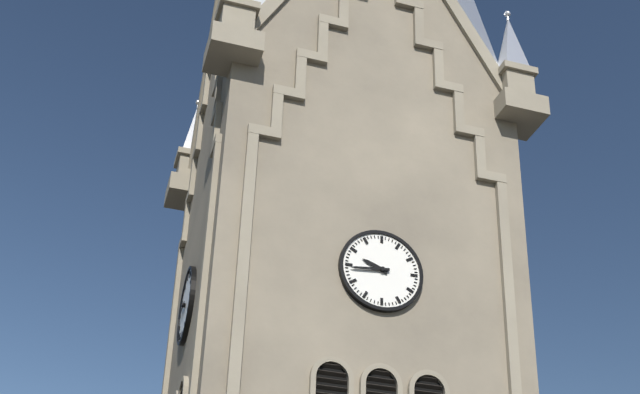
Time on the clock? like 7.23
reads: 9.44
